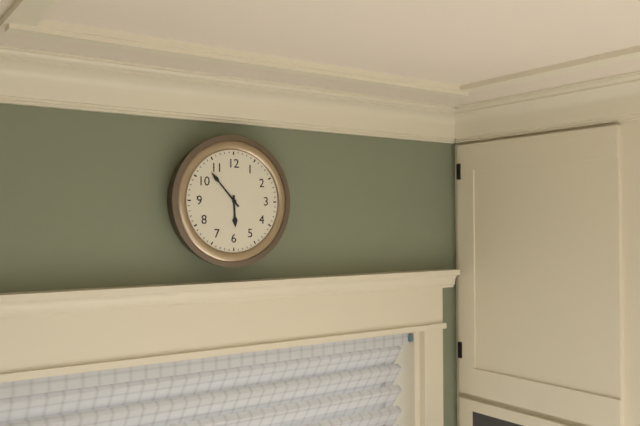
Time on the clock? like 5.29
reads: 5.53
